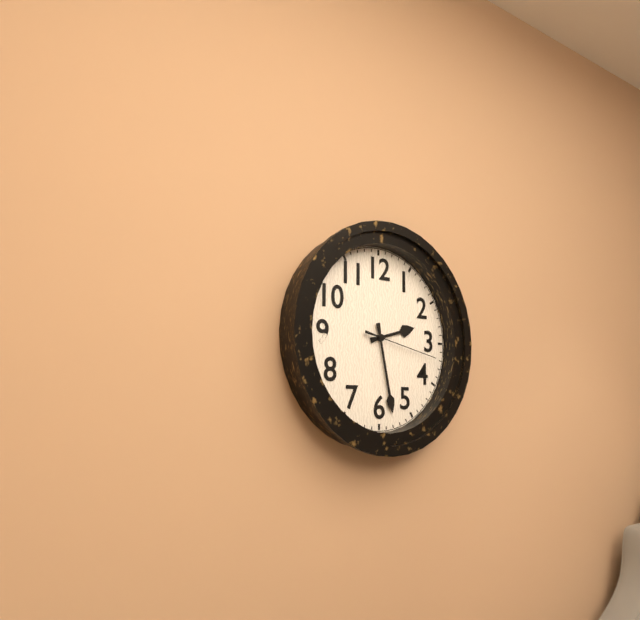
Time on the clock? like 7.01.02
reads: 2.28.17
